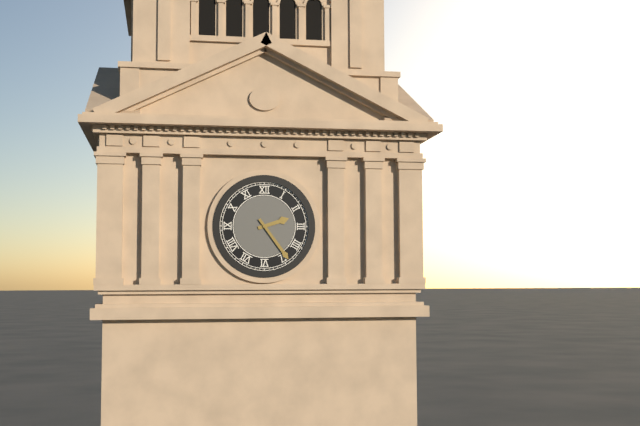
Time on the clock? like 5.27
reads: 2.24
